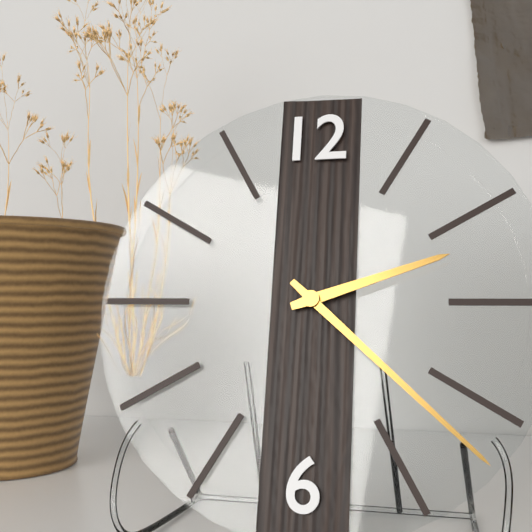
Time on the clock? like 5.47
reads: 2.22
